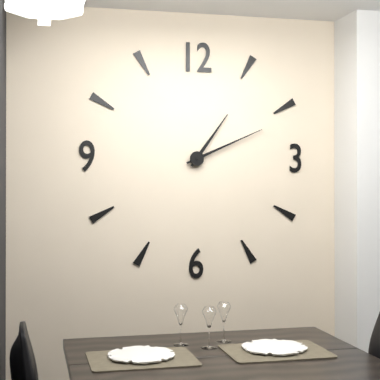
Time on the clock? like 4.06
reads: 1.11
